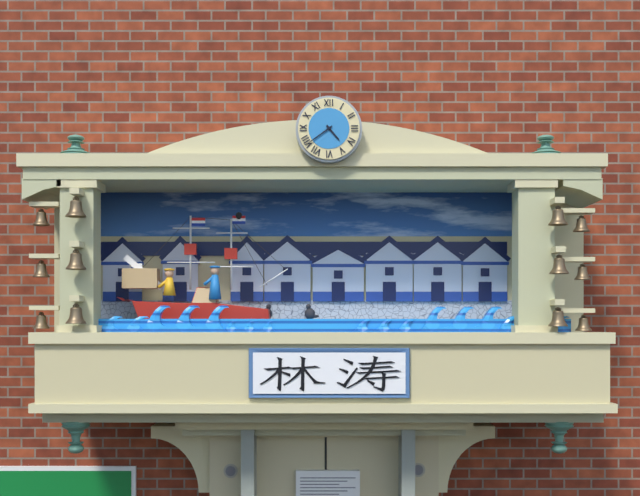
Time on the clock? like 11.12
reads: 4.39
